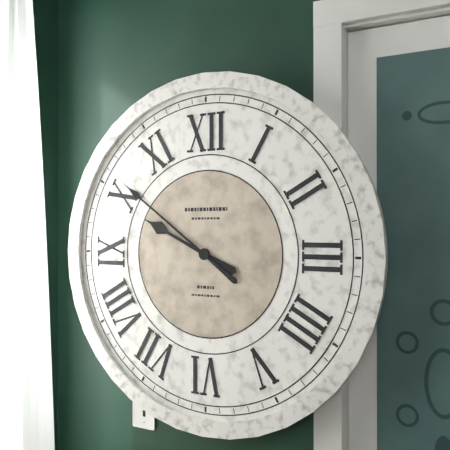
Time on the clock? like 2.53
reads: 9.51
